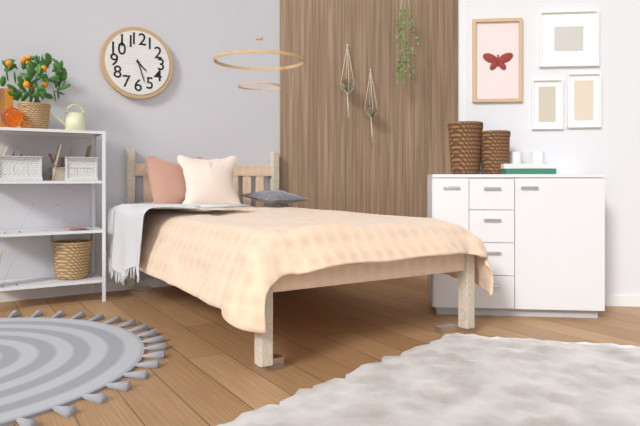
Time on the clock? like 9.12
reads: 4.27
